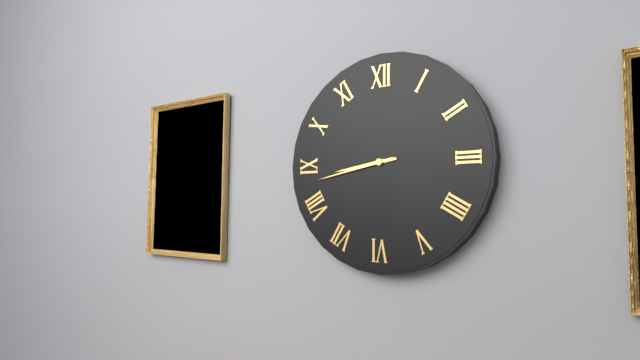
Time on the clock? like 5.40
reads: 8.43
